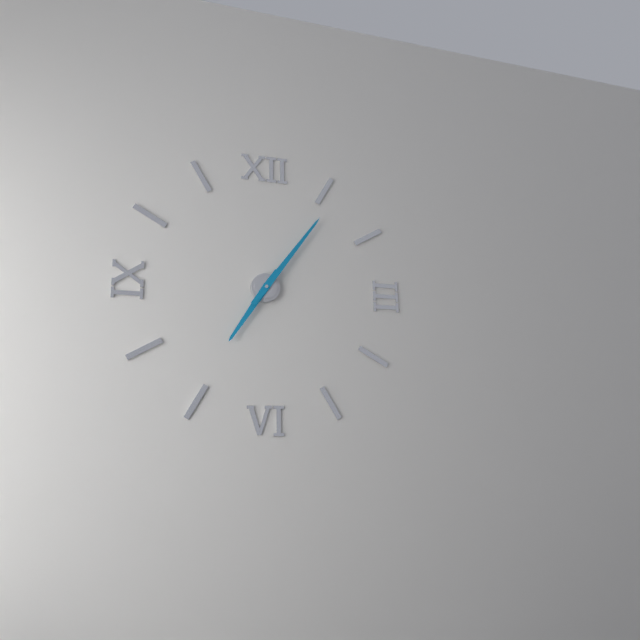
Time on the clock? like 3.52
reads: 7.06
